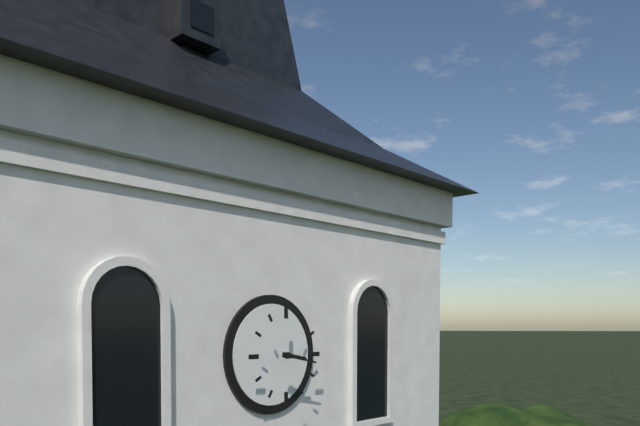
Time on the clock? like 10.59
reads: 3.17
